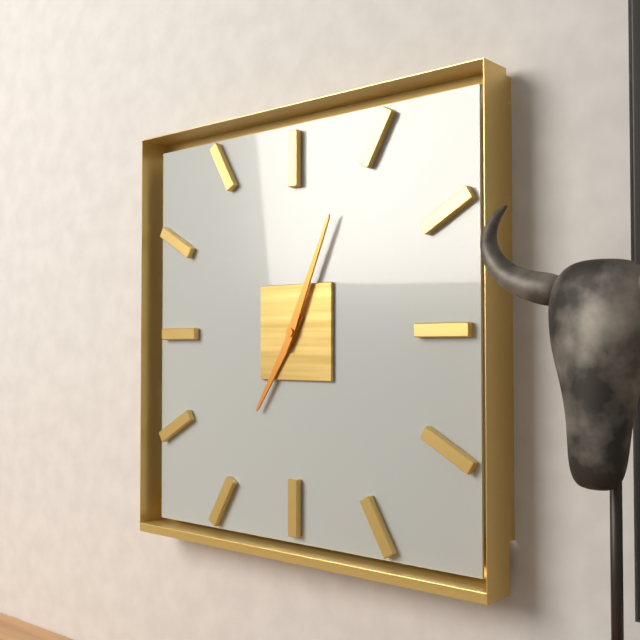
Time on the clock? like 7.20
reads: 7.04
